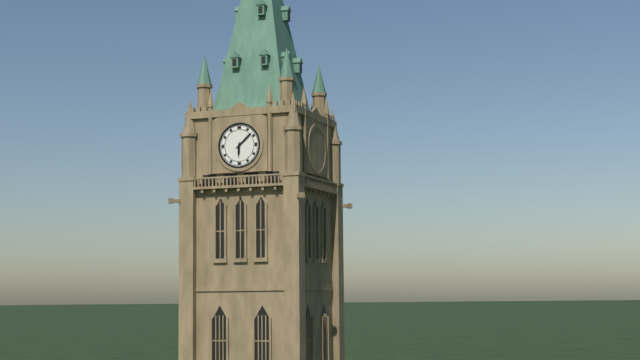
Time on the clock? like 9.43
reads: 6.08
